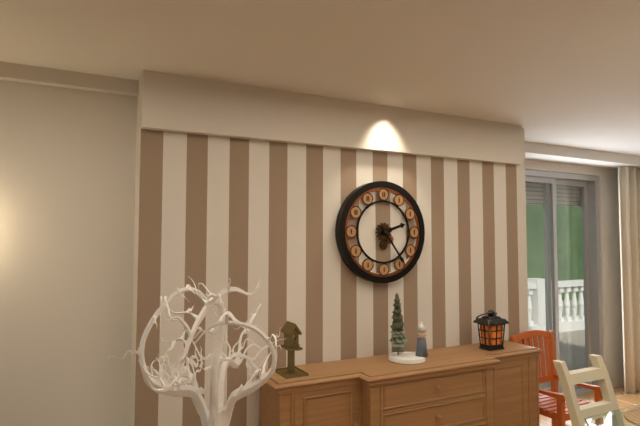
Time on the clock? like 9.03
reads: 2.24
